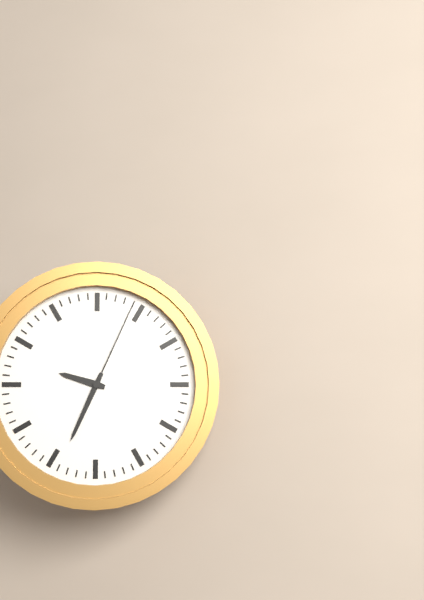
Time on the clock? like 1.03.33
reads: 9.34.04
